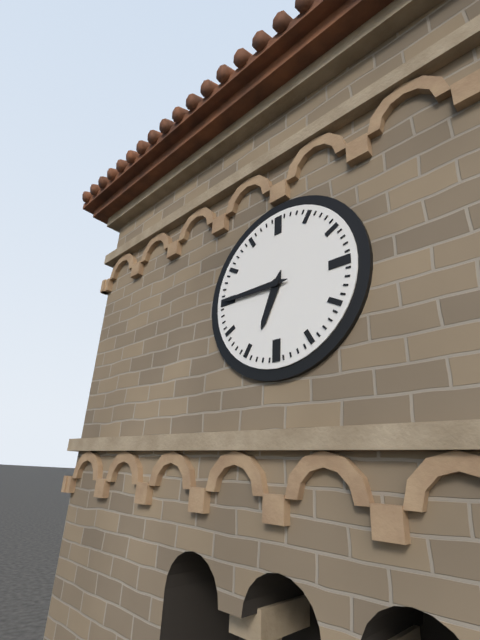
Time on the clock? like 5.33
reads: 6.45
